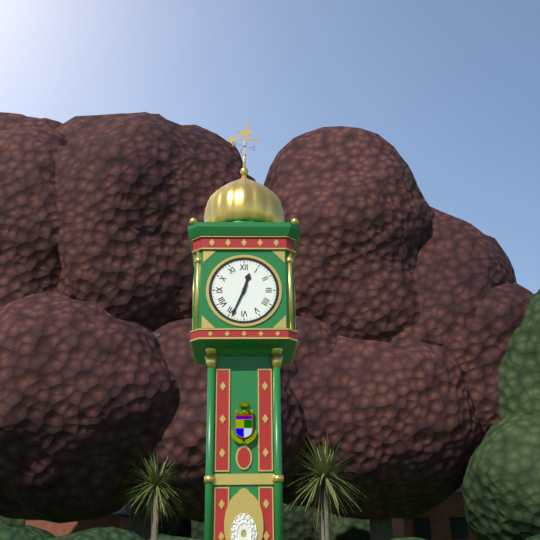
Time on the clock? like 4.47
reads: 12.34
